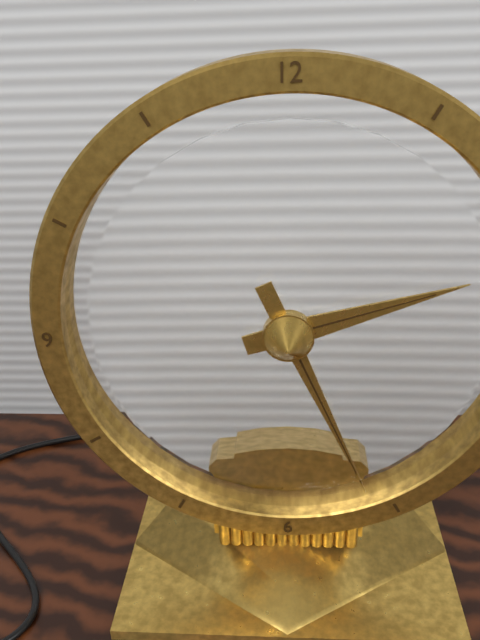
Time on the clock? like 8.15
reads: 2.26
